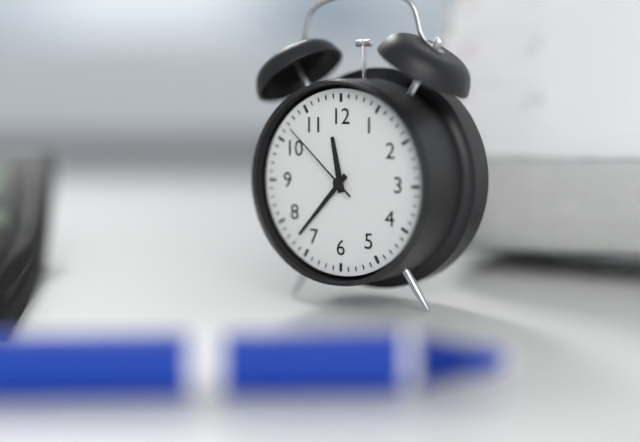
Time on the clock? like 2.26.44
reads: 11.37.52
